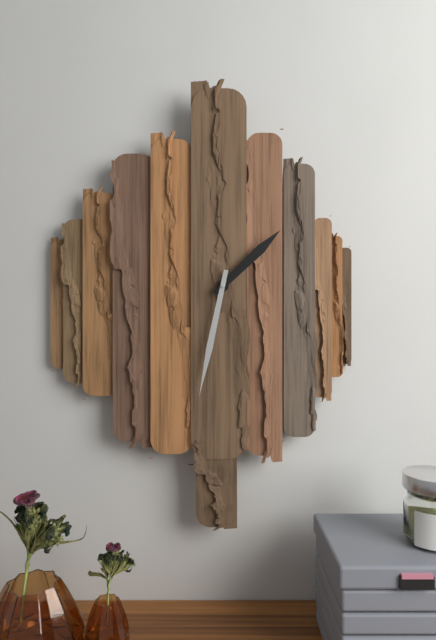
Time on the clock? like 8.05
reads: 1.32
